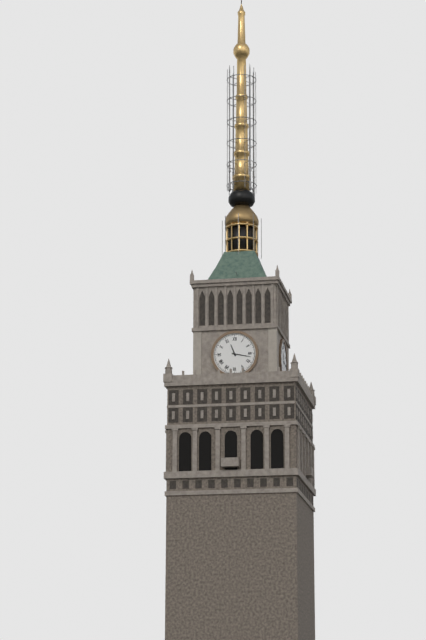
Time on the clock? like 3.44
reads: 11.17
